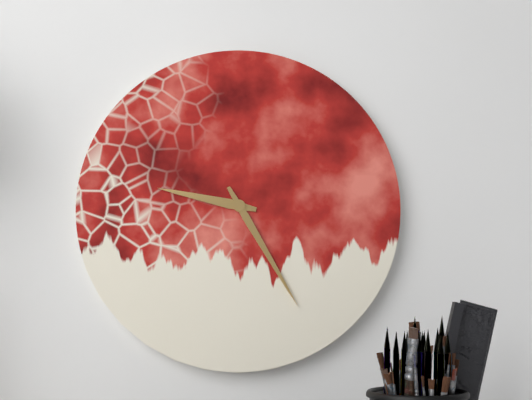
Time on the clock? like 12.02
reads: 9.25
